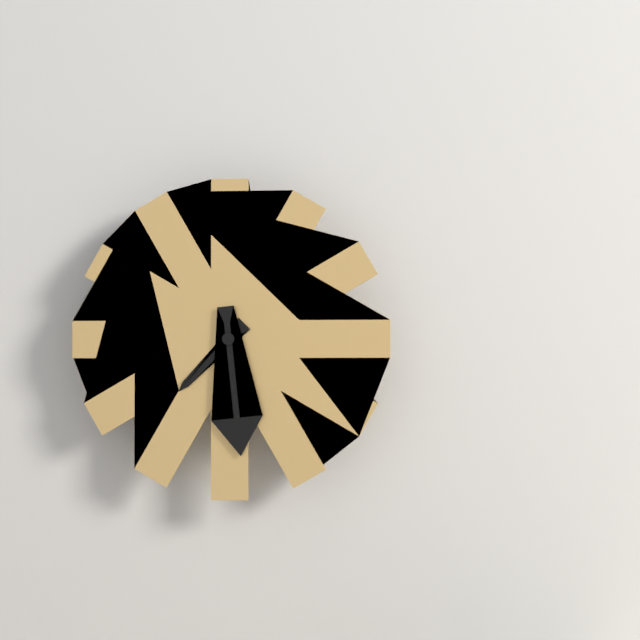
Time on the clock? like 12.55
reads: 7.29
